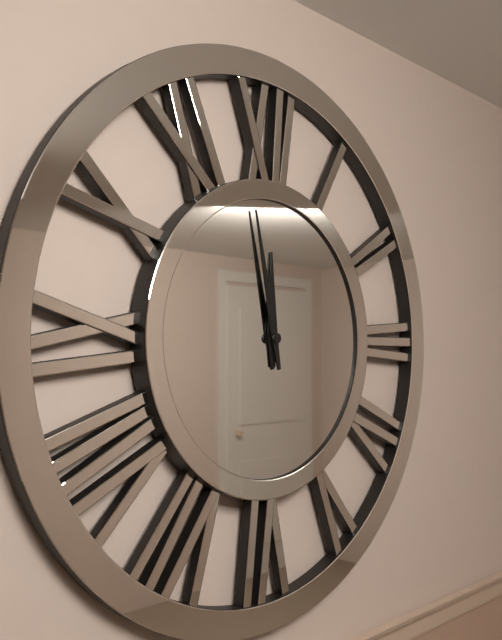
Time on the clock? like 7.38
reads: 11.58
